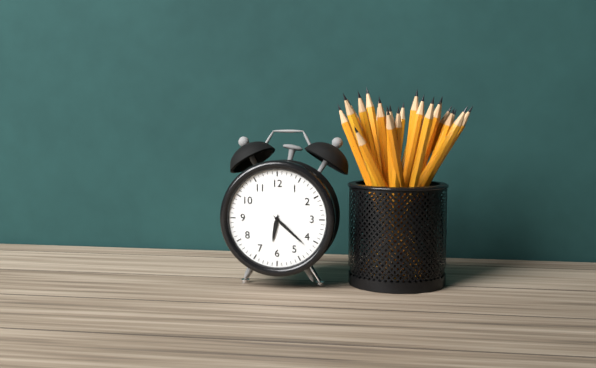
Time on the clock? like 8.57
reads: 6.22
